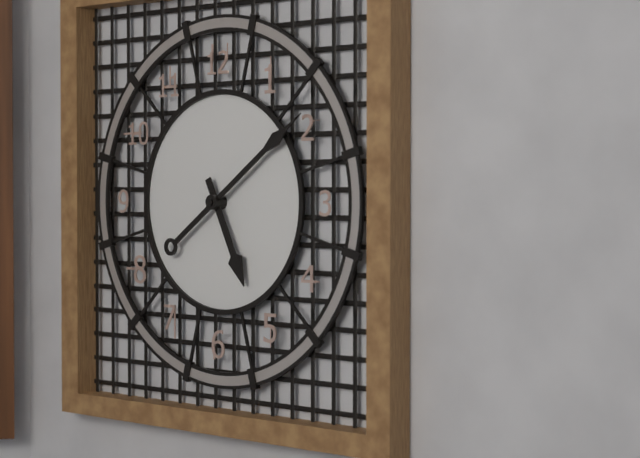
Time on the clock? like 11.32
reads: 5.09
